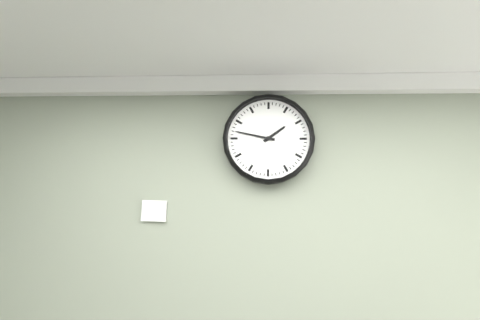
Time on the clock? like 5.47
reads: 1.47
